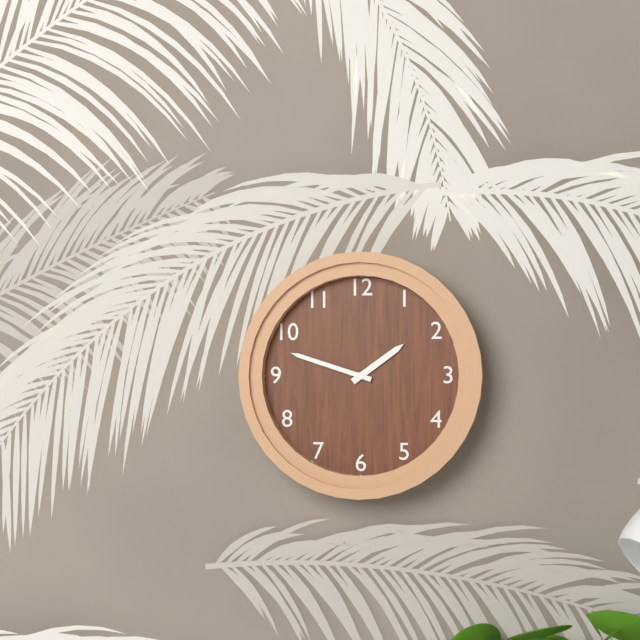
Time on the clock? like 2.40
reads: 1.48
